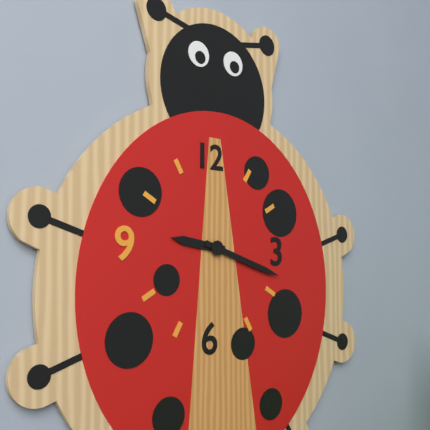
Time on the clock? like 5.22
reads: 9.18
